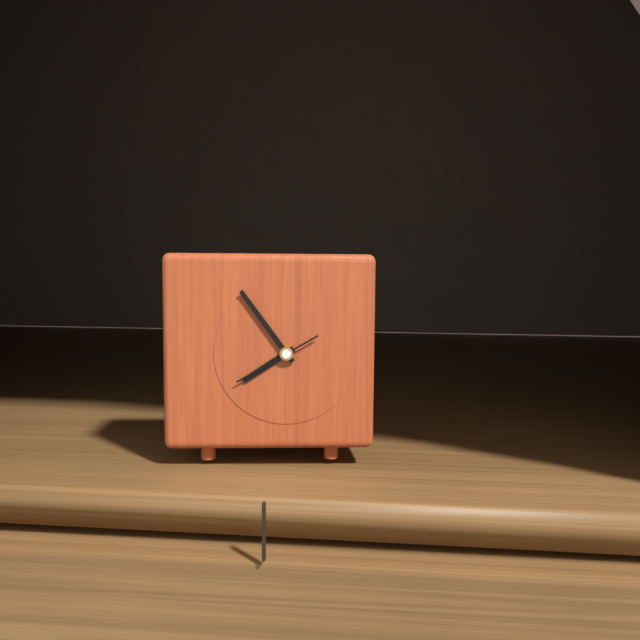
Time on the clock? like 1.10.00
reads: 7.54.40
